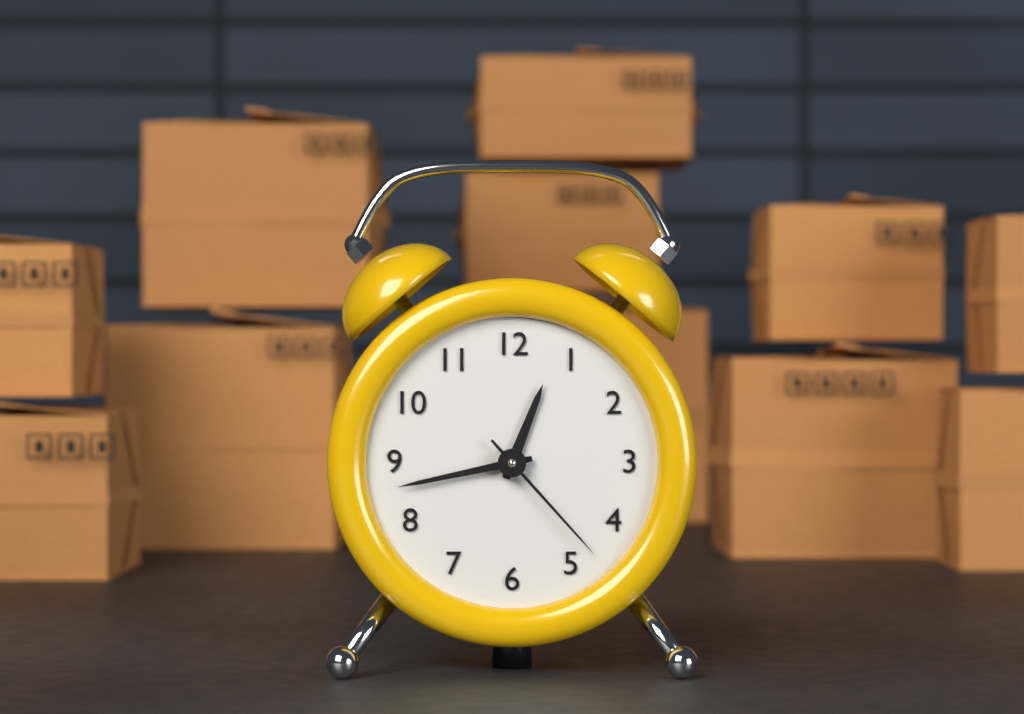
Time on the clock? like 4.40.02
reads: 12.43.23
